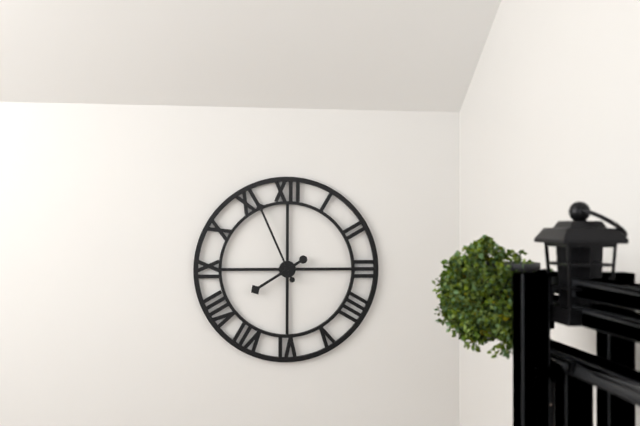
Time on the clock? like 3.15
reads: 7.56
